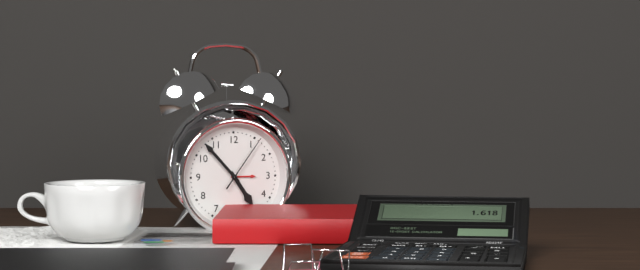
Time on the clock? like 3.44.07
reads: 4.53.06
